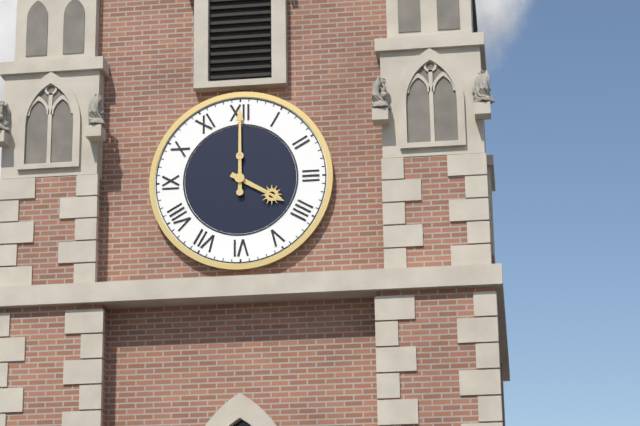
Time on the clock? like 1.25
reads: 4.00
